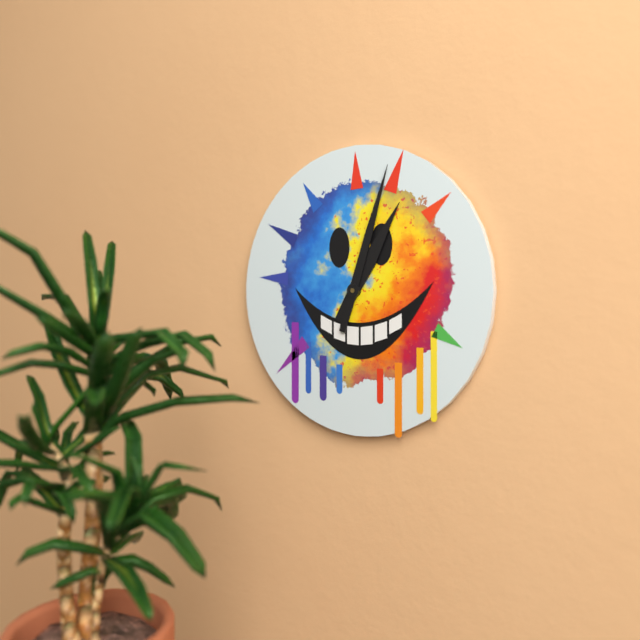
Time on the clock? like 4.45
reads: 1.03
